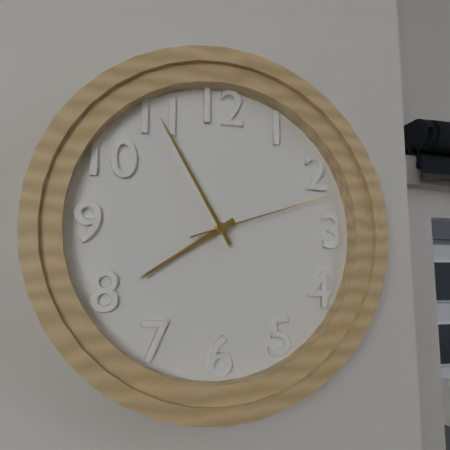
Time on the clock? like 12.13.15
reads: 7.55.12
